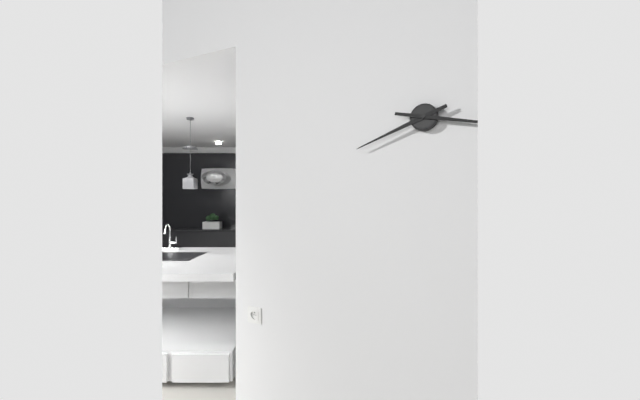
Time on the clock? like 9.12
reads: 8.17
